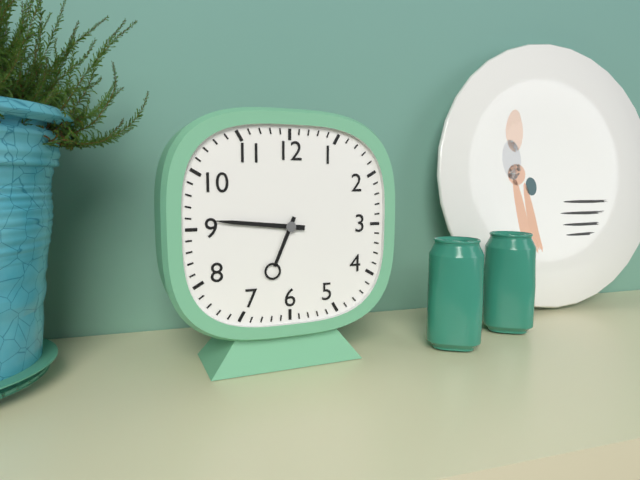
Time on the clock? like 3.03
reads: 6.46
